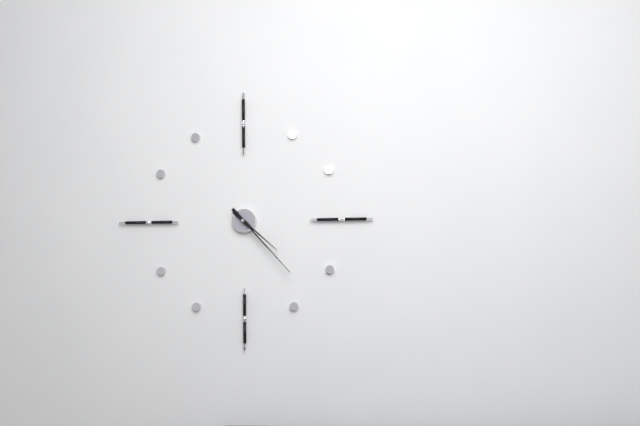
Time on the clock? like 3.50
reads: 4.23
